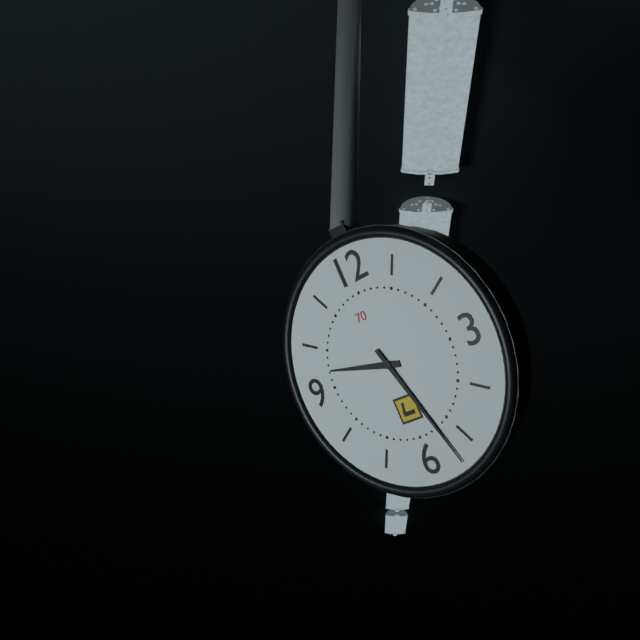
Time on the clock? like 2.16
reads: 9.27
